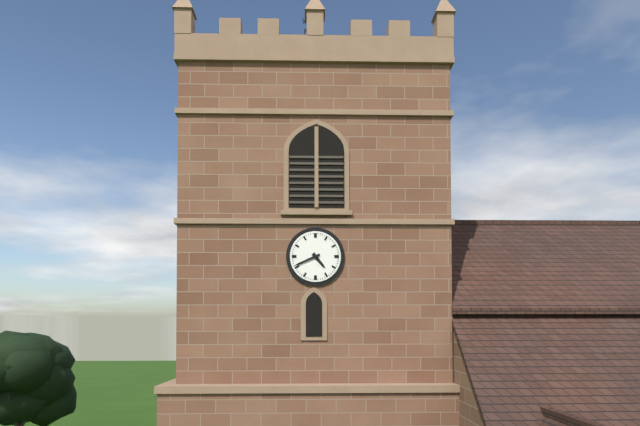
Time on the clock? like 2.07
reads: 4.41
